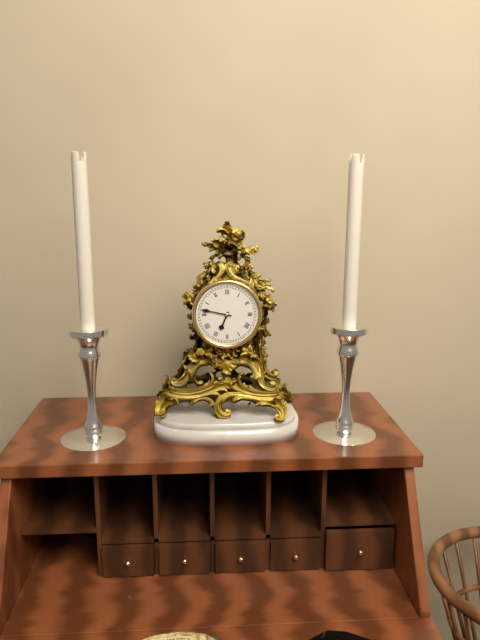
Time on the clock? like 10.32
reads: 6.47
